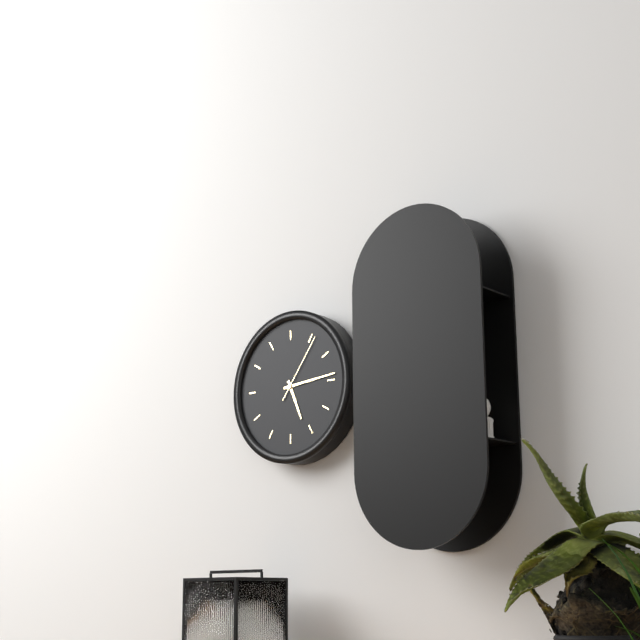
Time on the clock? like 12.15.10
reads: 5.14.06
